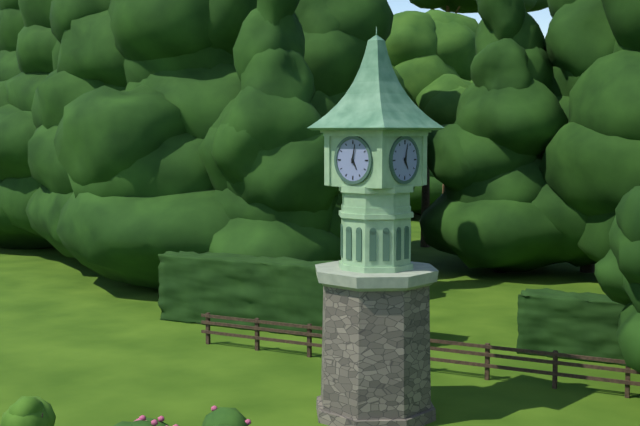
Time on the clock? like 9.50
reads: 5.02
